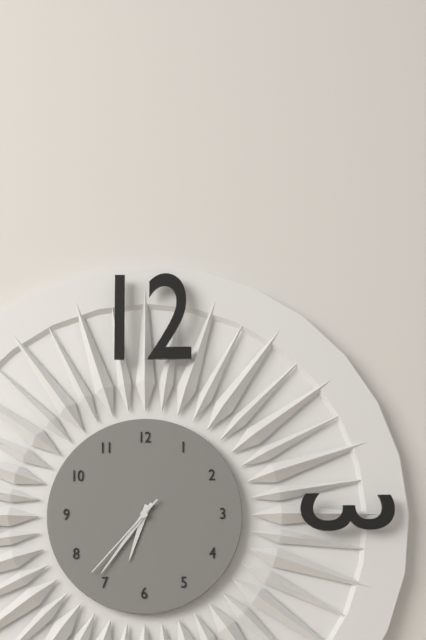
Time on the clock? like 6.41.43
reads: 6.36.37
